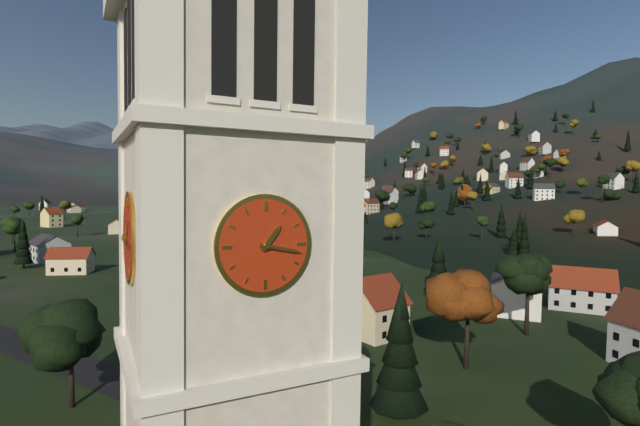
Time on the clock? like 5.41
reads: 1.17
